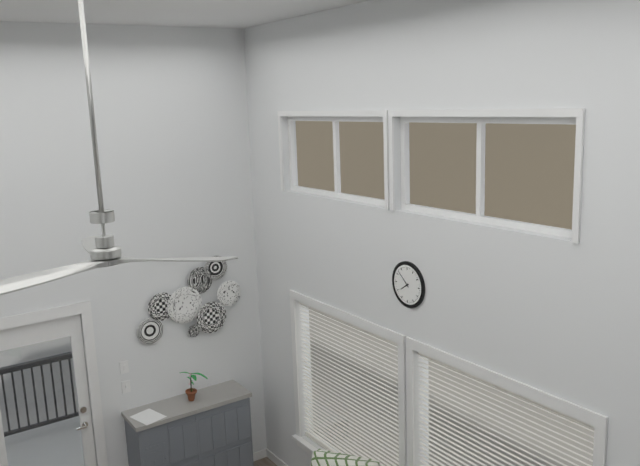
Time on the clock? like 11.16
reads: 7.52
